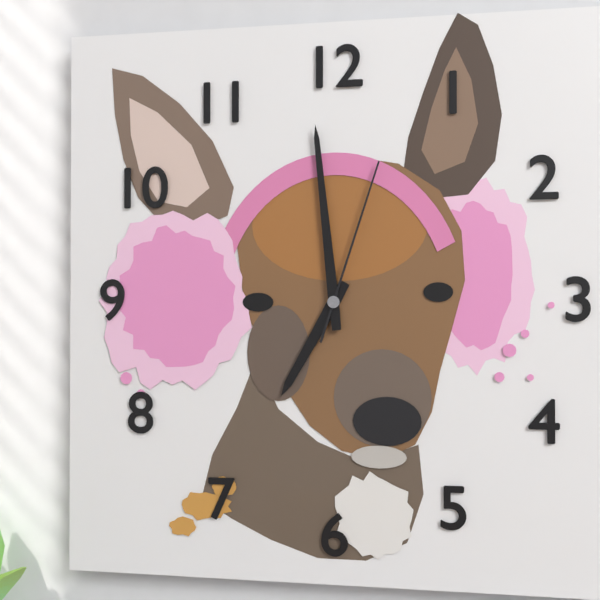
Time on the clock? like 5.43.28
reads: 6.59.03
